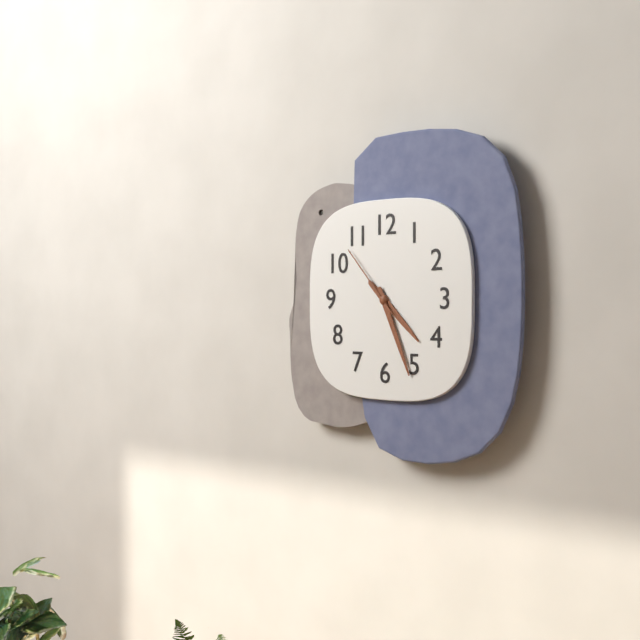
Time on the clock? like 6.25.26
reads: 4.26.53
